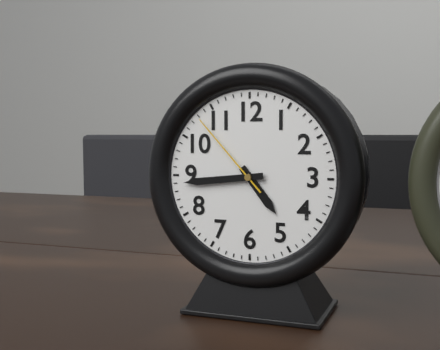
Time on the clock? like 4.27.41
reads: 4.44.53
